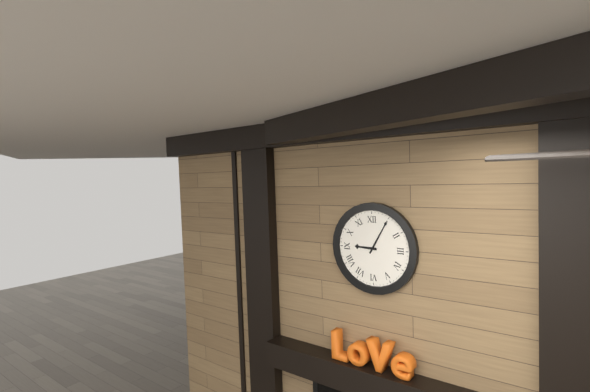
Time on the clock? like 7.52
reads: 9.05
